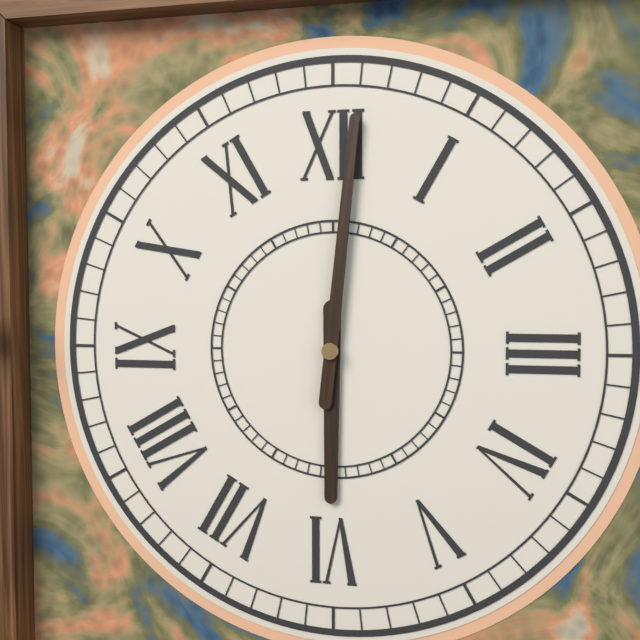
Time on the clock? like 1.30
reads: 6.01
